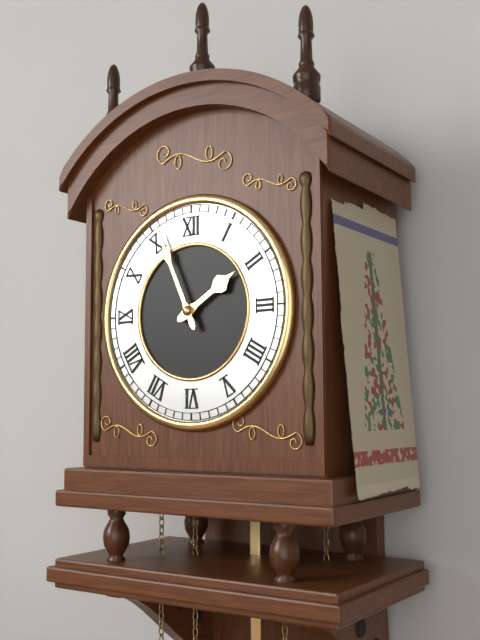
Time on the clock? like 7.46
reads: 1.56
